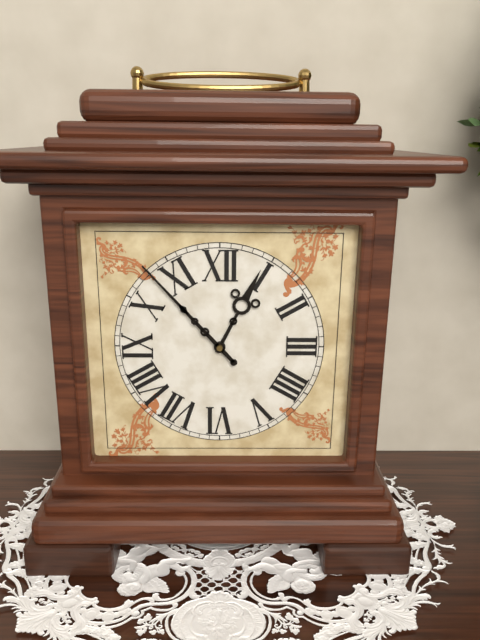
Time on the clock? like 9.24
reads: 12.53
